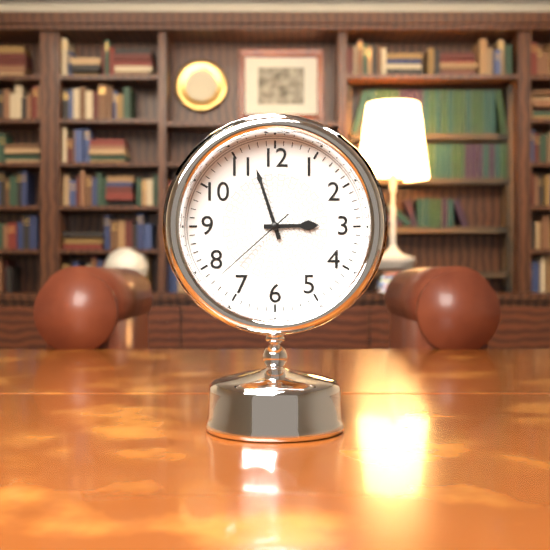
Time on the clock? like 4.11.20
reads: 2.57.38
